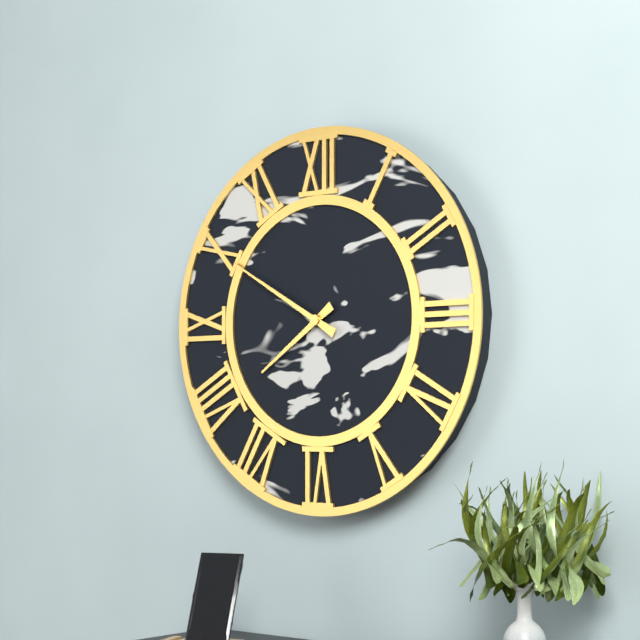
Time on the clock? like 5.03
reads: 7.50
